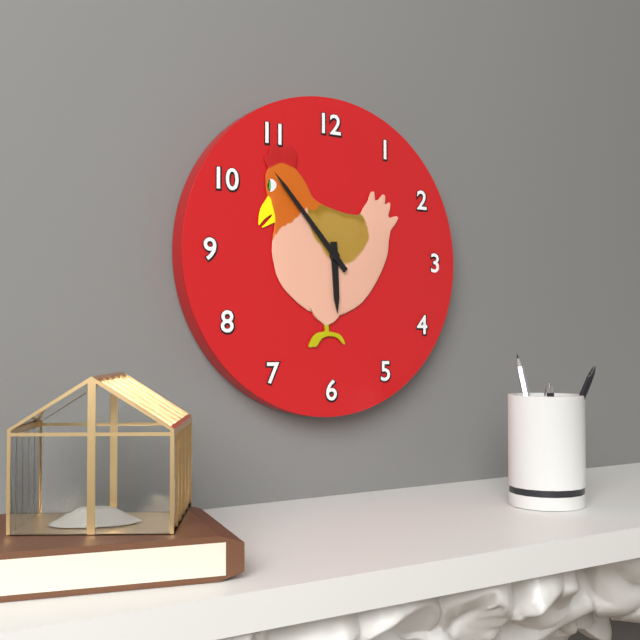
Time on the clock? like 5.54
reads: 5.53
